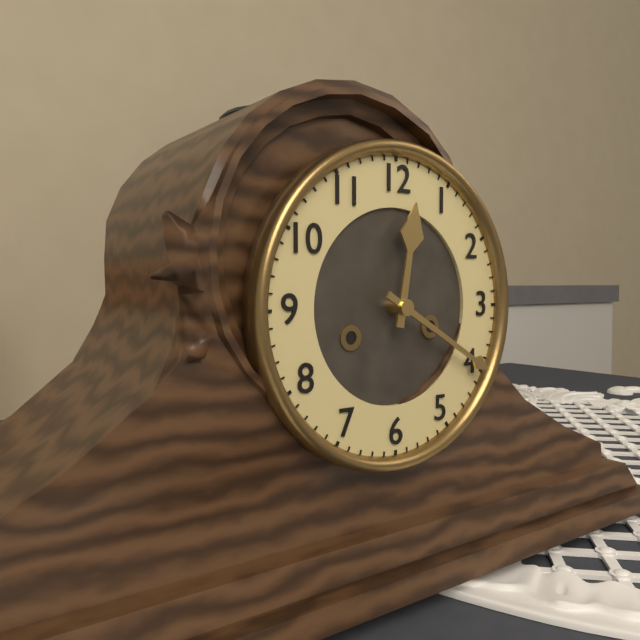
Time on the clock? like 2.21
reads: 12.20
